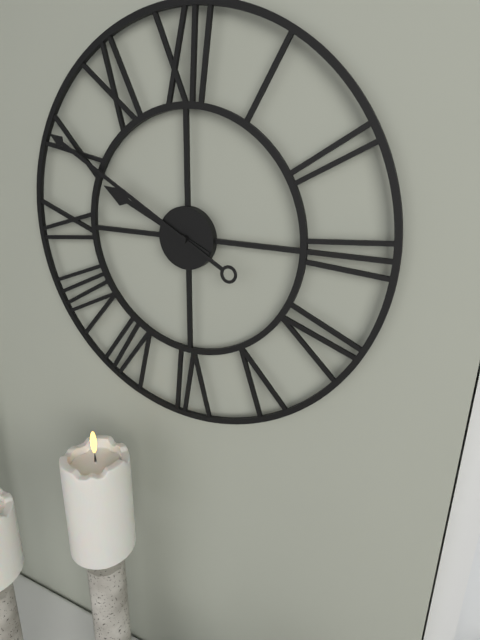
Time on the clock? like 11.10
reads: 9.50
